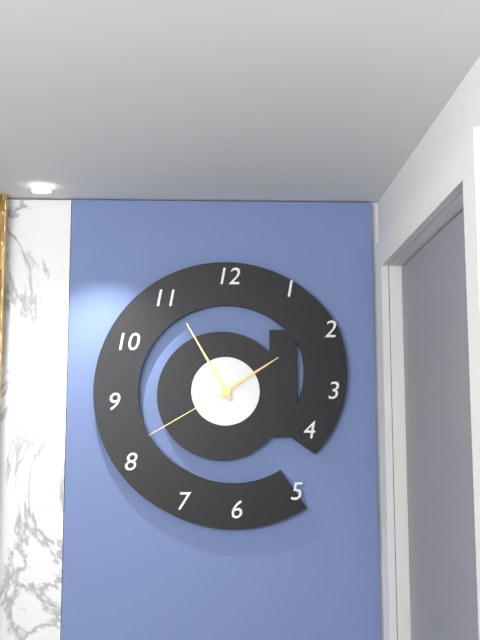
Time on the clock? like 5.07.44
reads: 1.55.40
